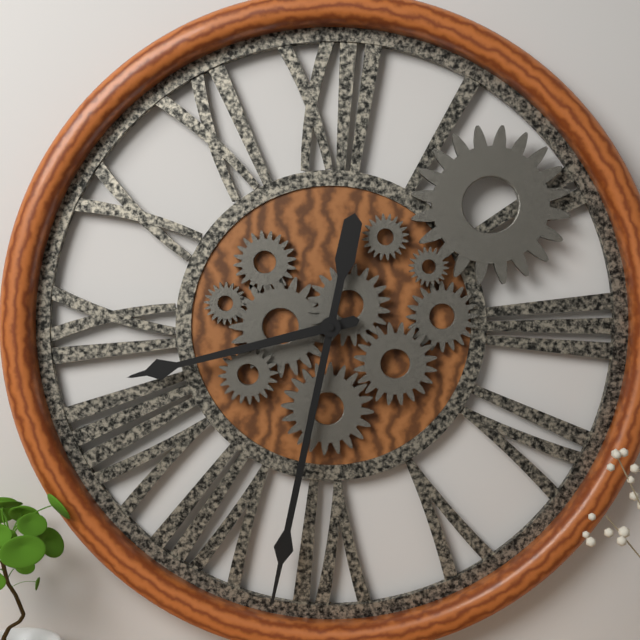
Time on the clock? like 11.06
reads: 8.32
